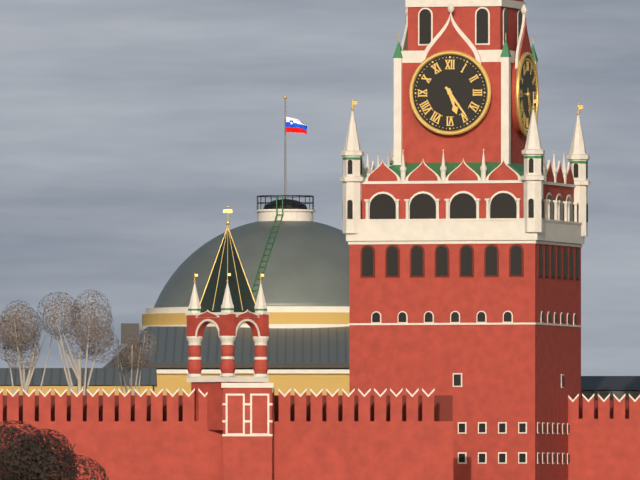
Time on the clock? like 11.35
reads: 5.24
